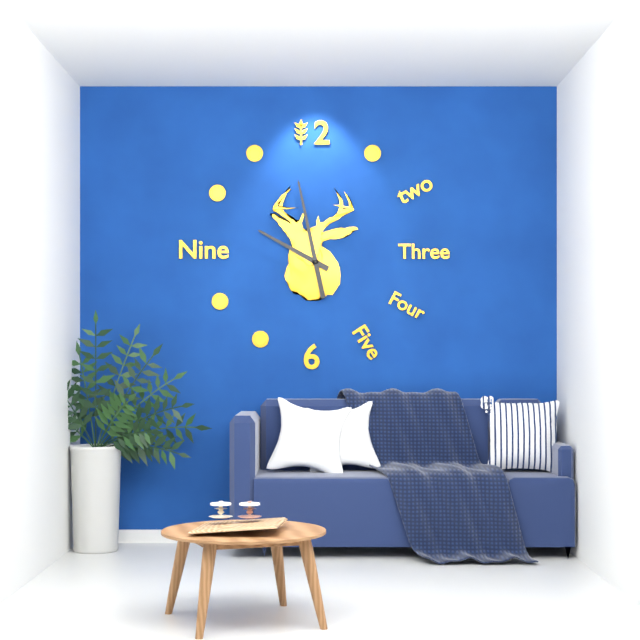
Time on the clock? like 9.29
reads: 9.58
